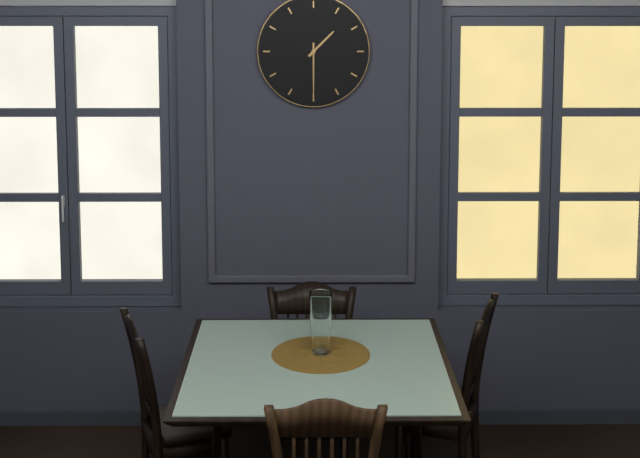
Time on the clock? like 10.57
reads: 1.30
